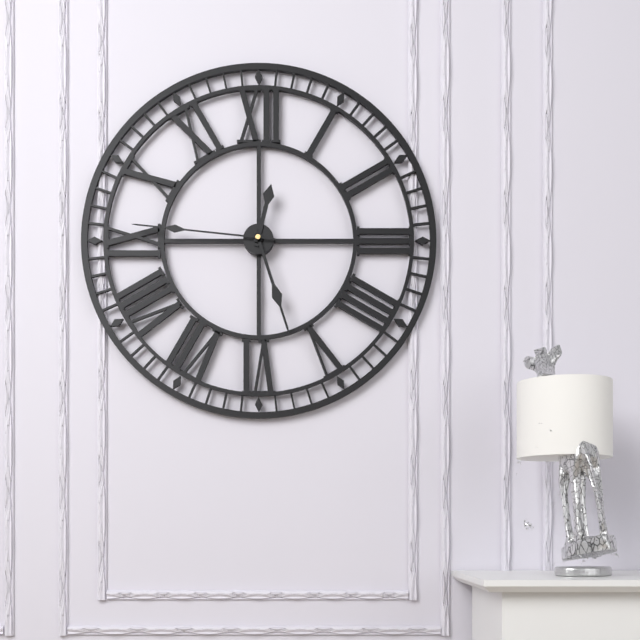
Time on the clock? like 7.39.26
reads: 12.27.46
